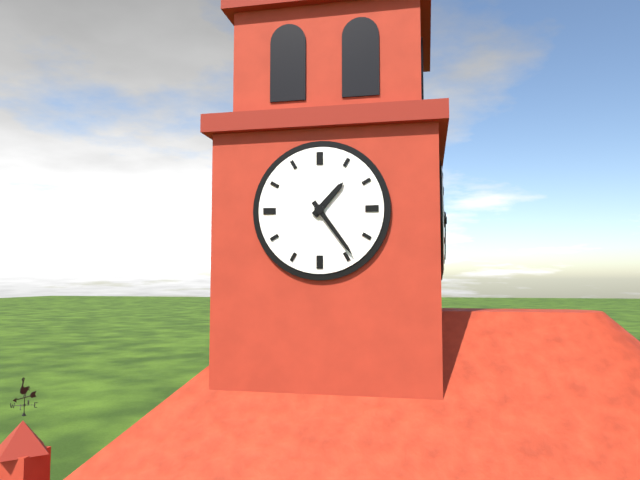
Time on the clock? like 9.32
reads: 1.24
